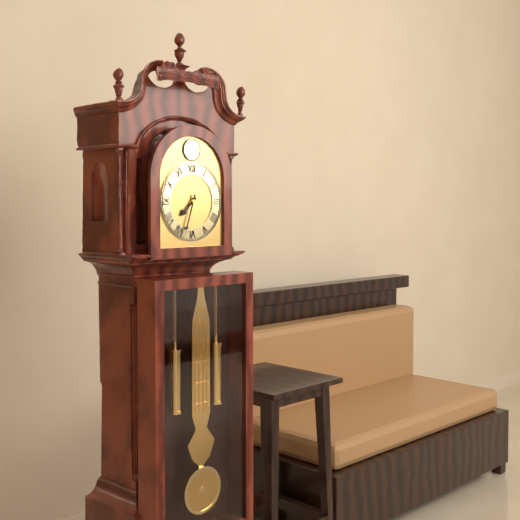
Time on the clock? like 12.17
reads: 7.33
